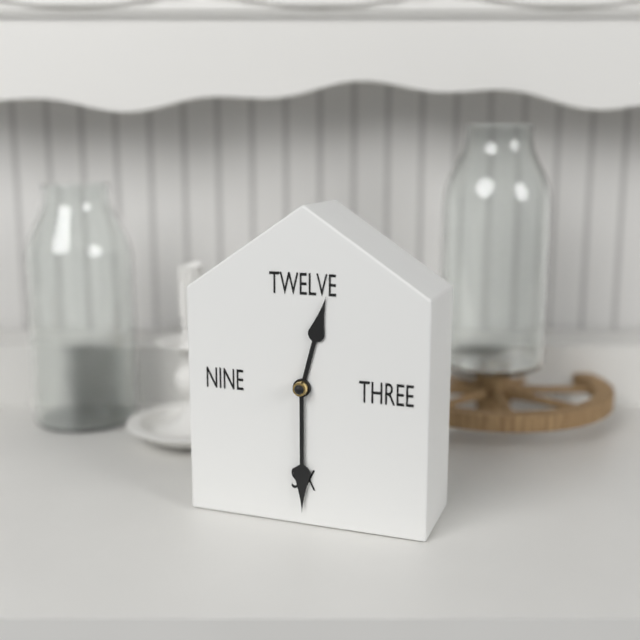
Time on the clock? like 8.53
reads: 12.30
